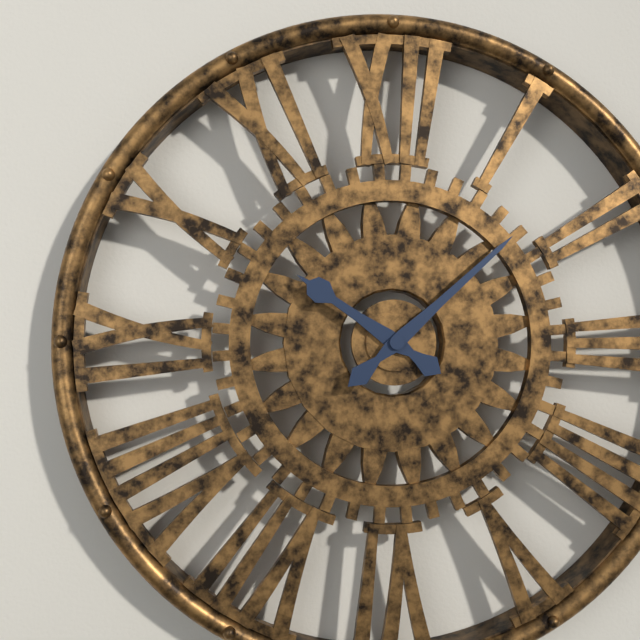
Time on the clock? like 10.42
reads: 10.08
